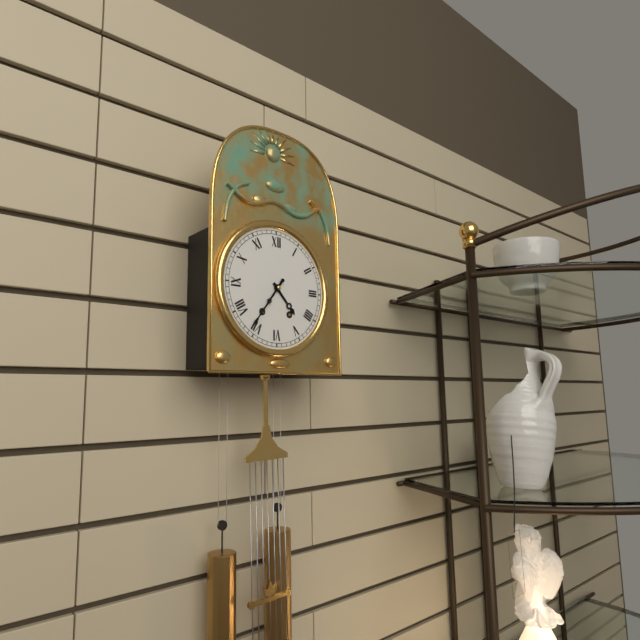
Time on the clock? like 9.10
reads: 4.36
